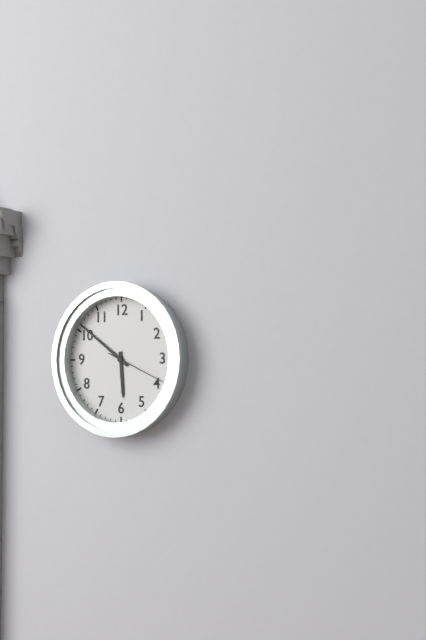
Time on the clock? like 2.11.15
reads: 5.51.19
